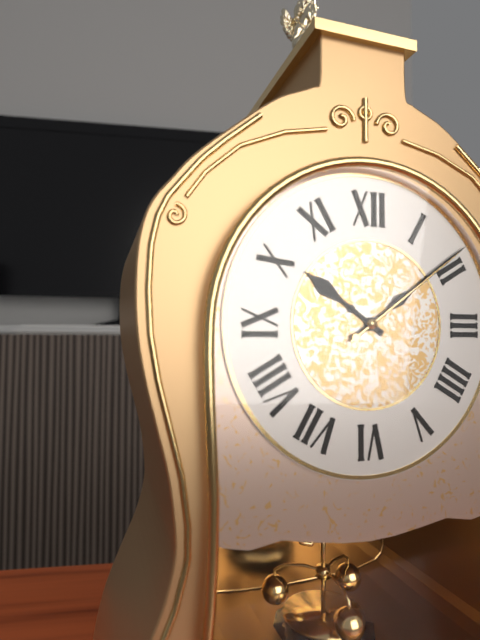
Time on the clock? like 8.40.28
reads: 10.09.09
